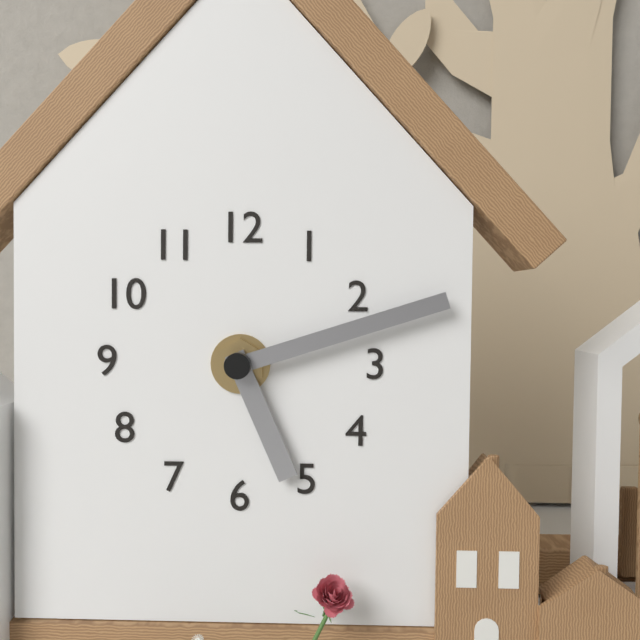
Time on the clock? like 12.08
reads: 5.12
